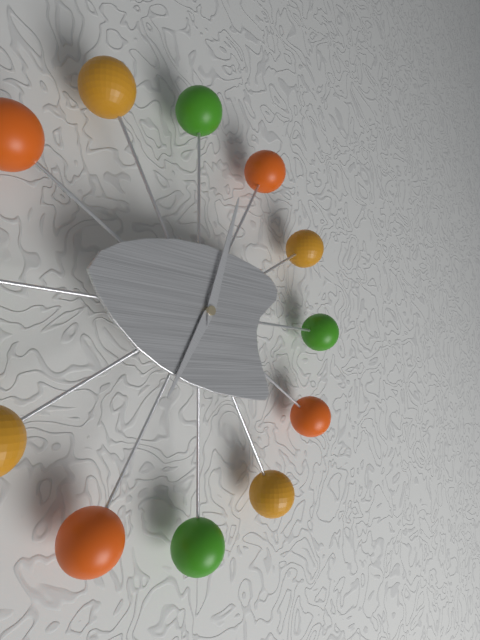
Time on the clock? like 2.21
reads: 7.03
